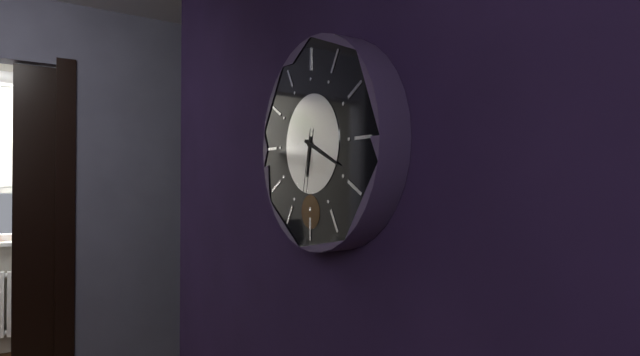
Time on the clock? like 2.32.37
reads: 6.19.32
